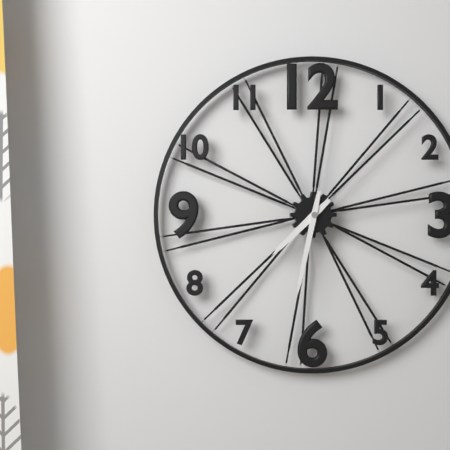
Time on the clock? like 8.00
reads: 7.32
